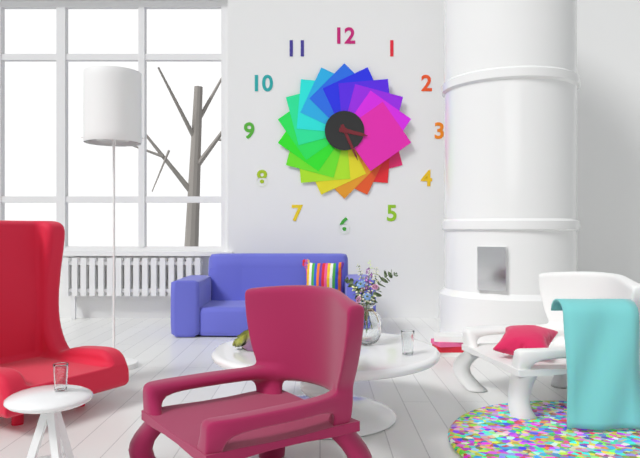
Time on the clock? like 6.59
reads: 3.26
